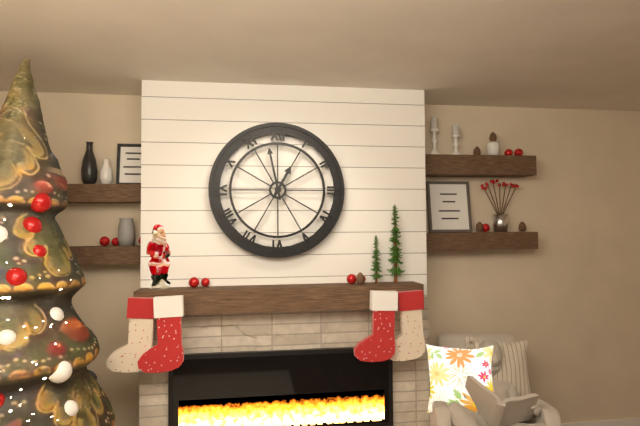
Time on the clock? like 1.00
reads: 12.58
